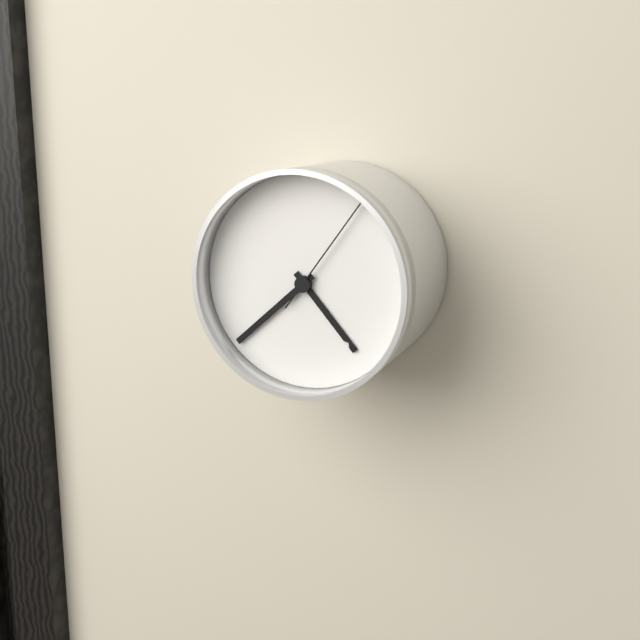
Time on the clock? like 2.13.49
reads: 4.38.06
